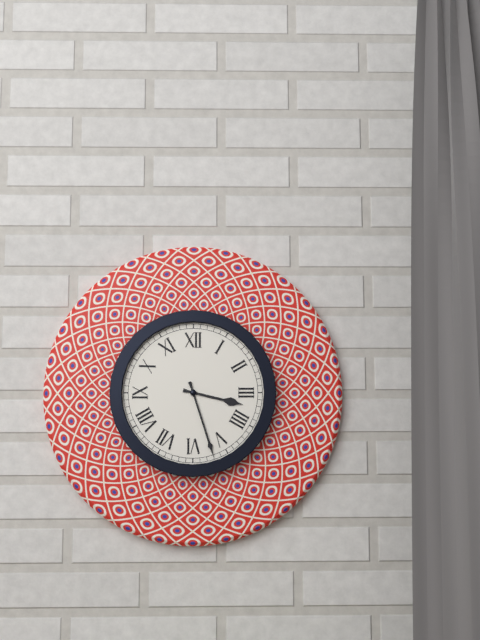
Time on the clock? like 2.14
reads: 3.27
